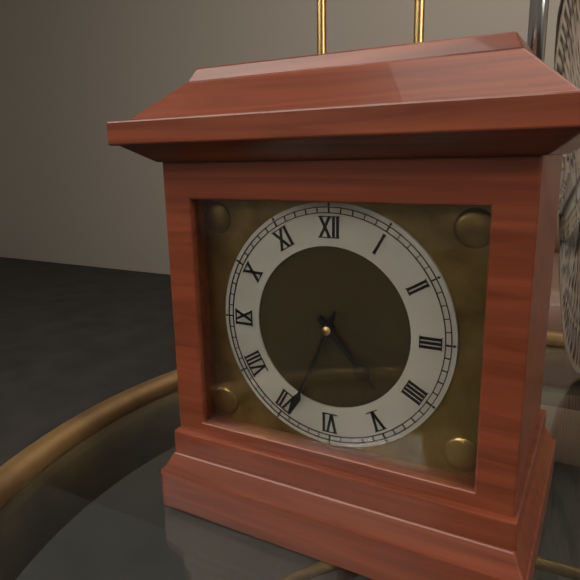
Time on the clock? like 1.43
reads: 4.34
